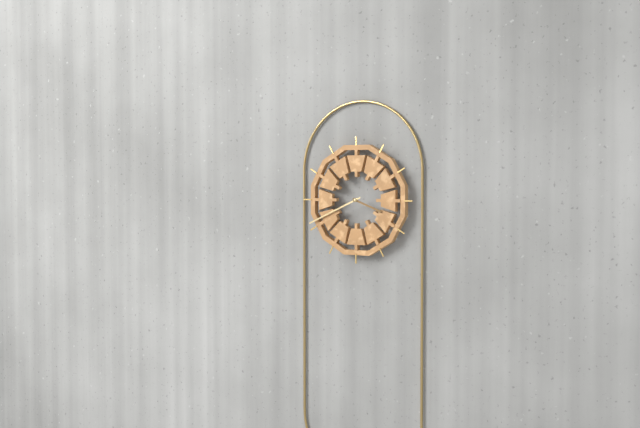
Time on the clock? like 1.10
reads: 3.41
